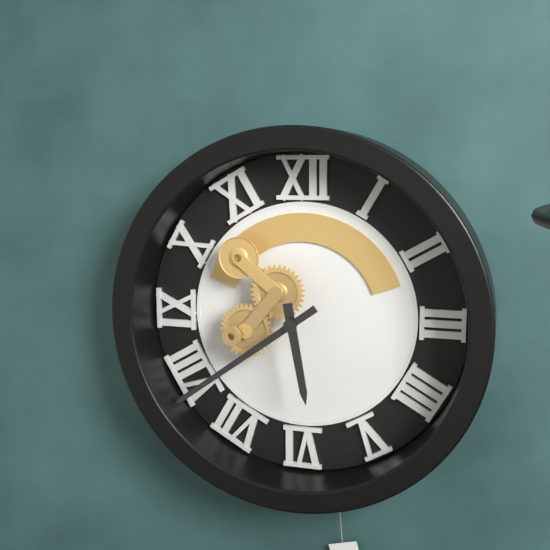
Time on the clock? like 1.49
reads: 5.39
